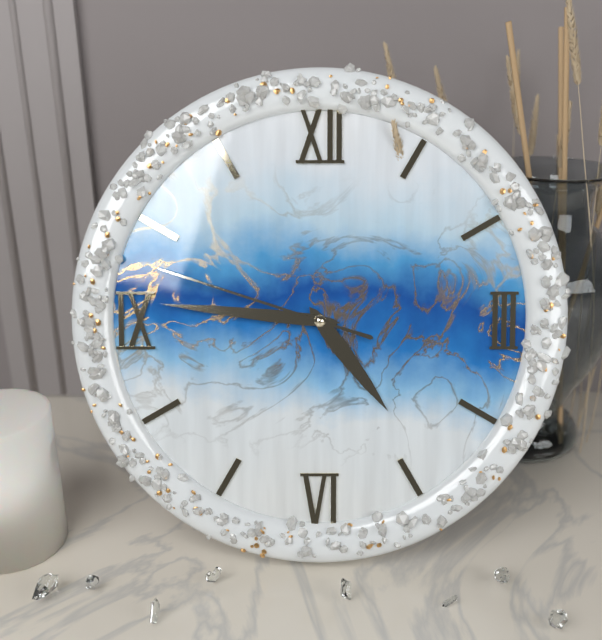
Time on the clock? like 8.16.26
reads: 4.46.48
